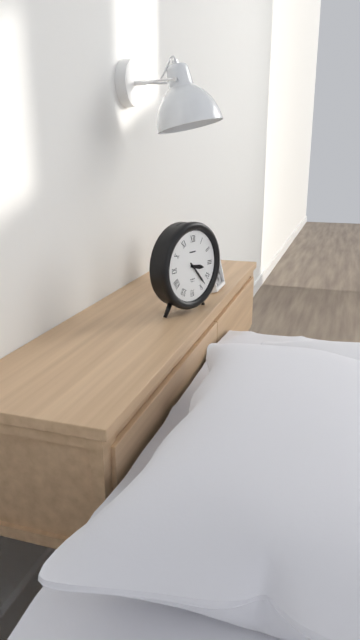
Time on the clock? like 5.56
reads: 3.23
